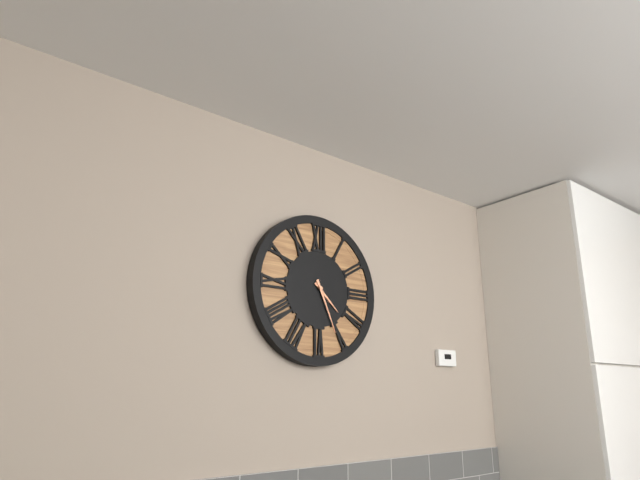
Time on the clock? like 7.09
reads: 4.26
